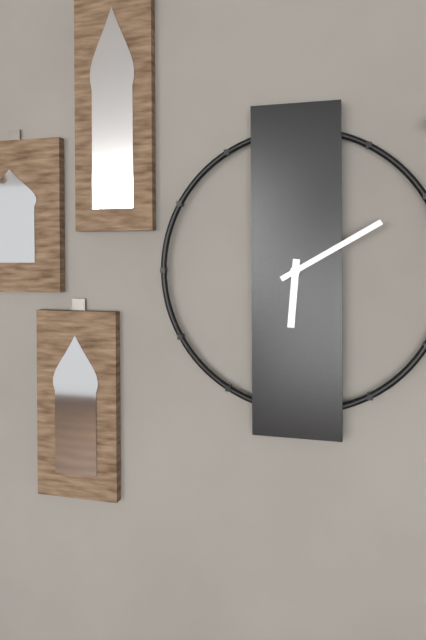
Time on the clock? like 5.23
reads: 6.10
